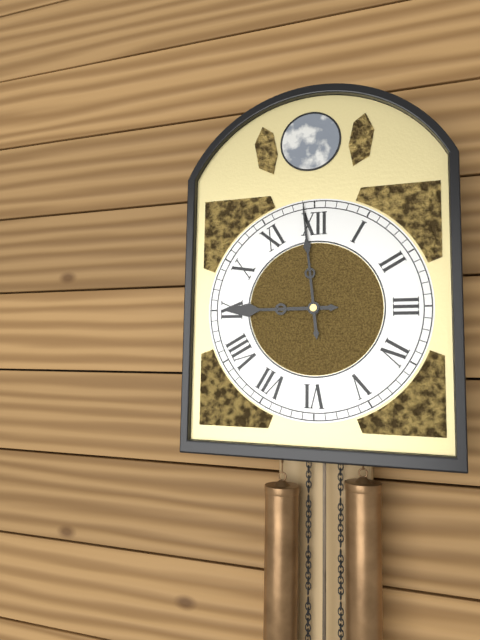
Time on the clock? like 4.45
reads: 8.59
